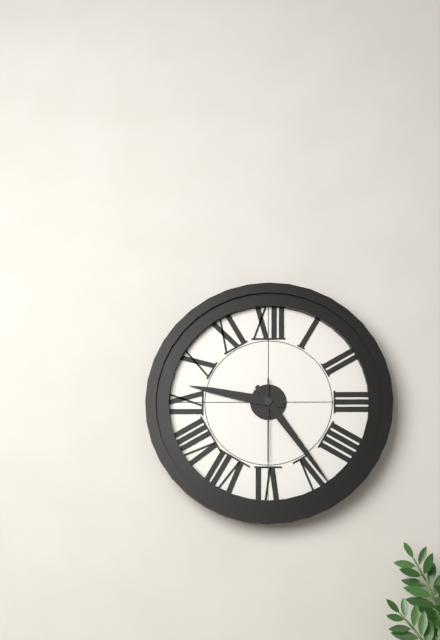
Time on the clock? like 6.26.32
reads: 9.24.30
